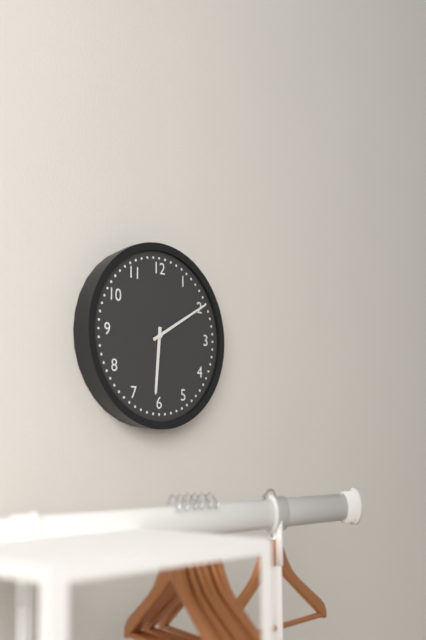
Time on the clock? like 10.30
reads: 6.10
